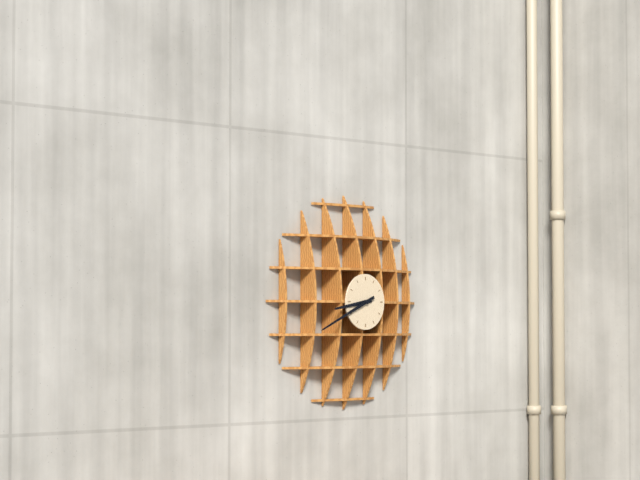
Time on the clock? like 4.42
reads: 8.41
